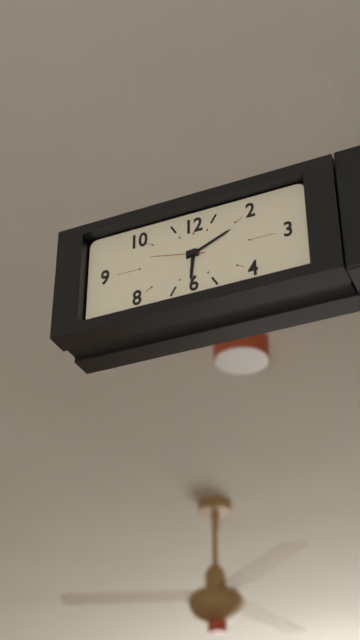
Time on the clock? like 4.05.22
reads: 6.11.47
